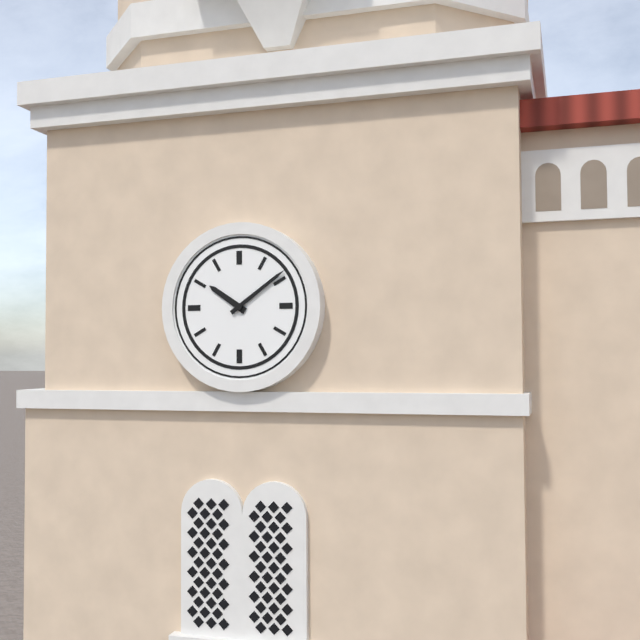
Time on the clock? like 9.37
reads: 10.09
